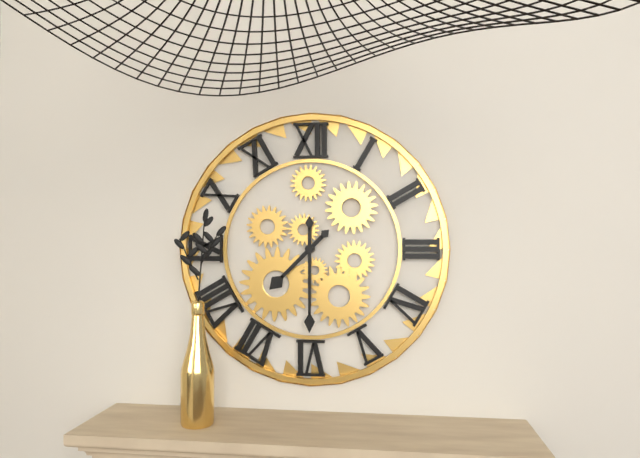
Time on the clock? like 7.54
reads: 7.30
